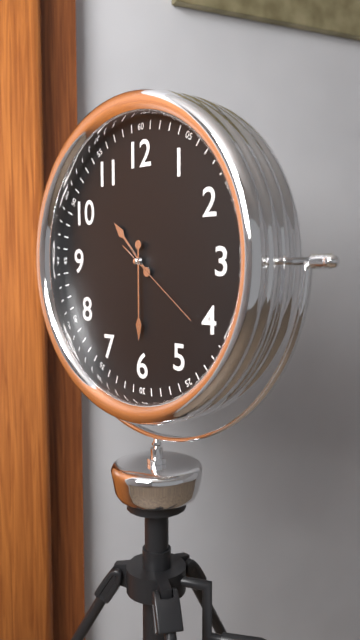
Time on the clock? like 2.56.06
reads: 10.30.21
